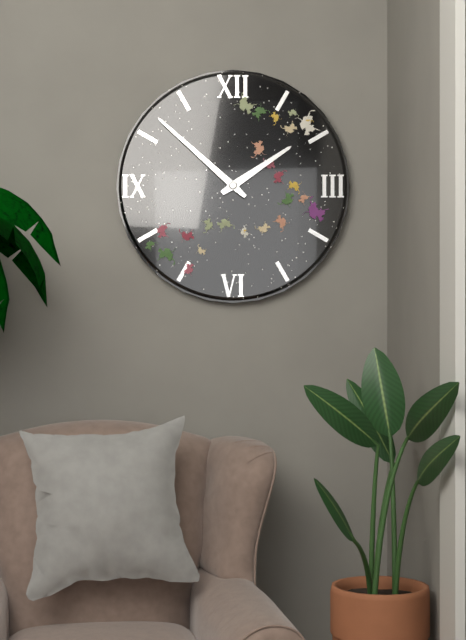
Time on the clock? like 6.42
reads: 1.52
